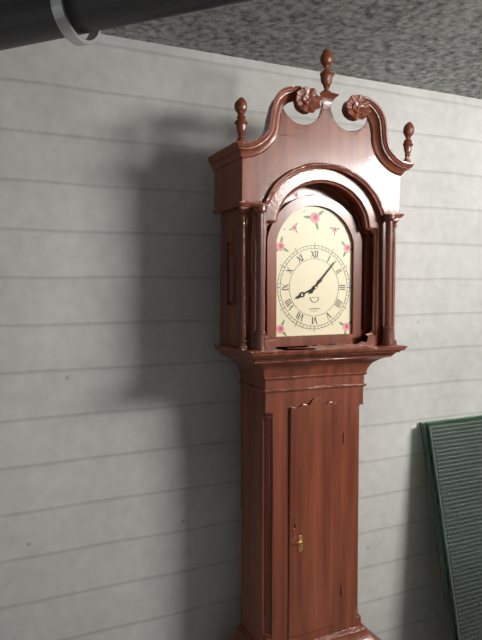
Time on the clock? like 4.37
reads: 8.07
